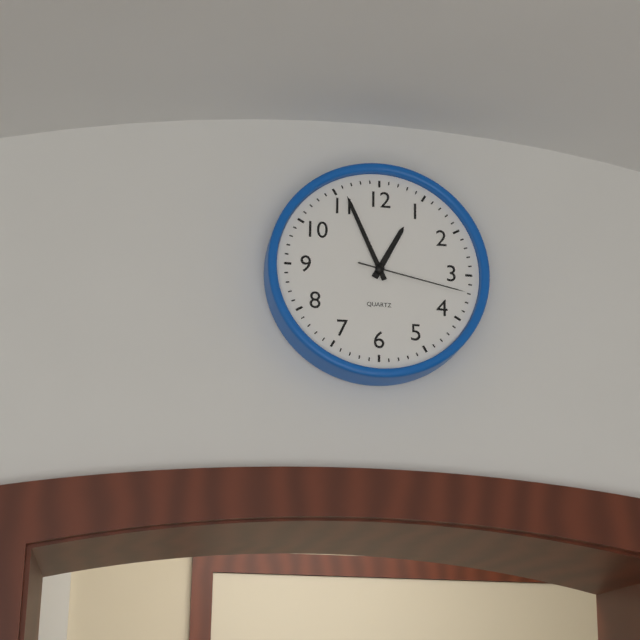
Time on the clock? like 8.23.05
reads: 12.56.17
